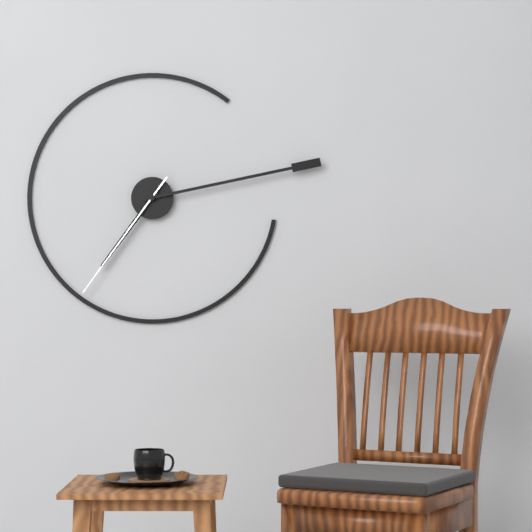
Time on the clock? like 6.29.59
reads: 7.13.36
